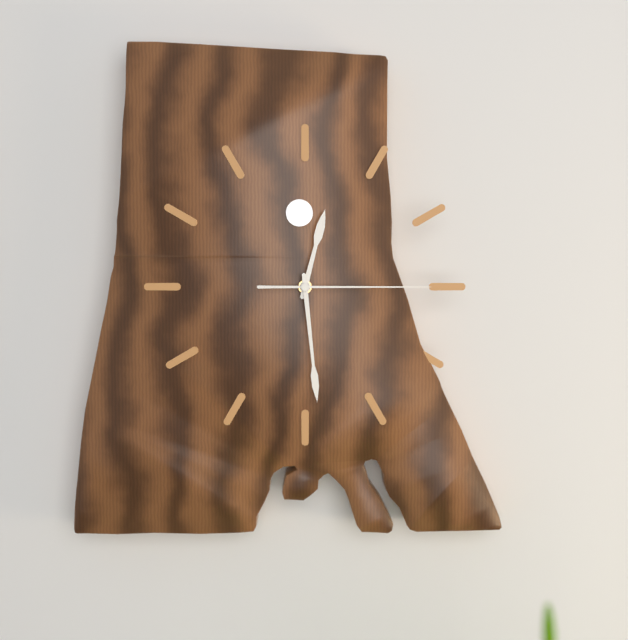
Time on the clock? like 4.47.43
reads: 12.29.15
